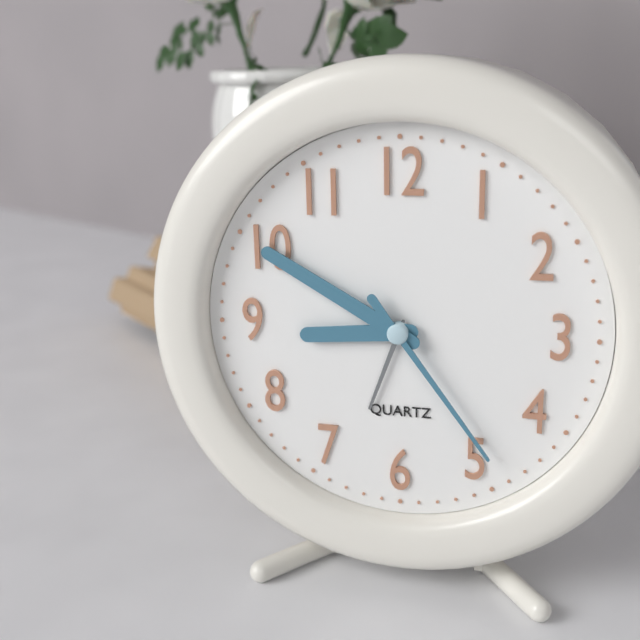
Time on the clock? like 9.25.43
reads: 8.50.24
